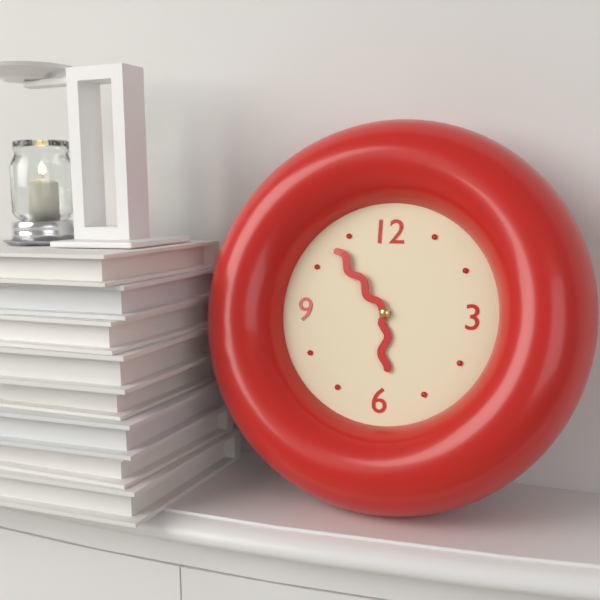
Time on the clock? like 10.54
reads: 5.53
